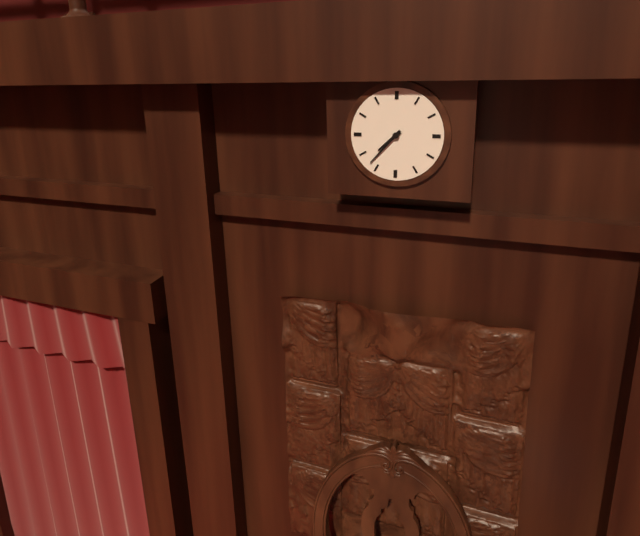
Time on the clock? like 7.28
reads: 7.37
